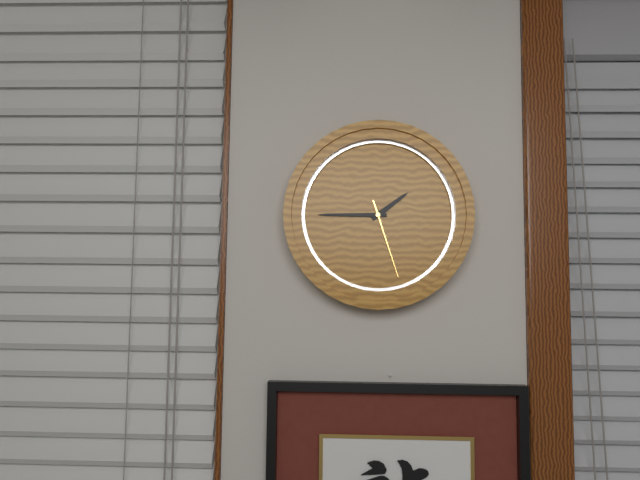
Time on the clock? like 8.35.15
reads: 1.45.27
